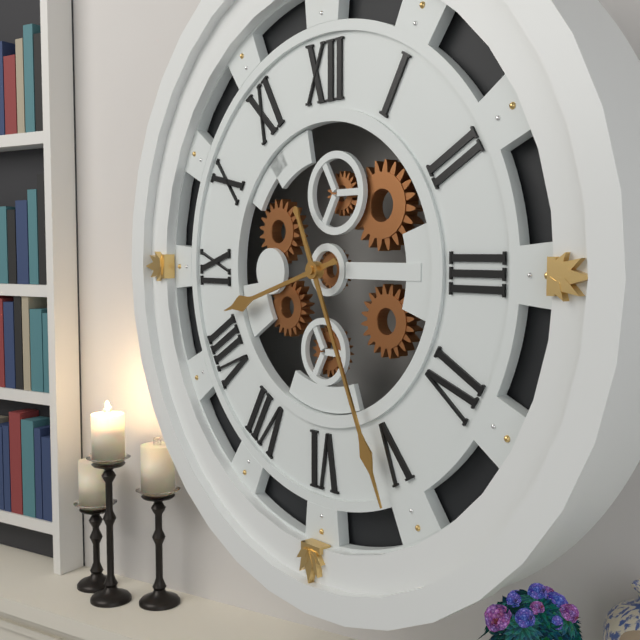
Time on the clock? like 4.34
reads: 8.26
